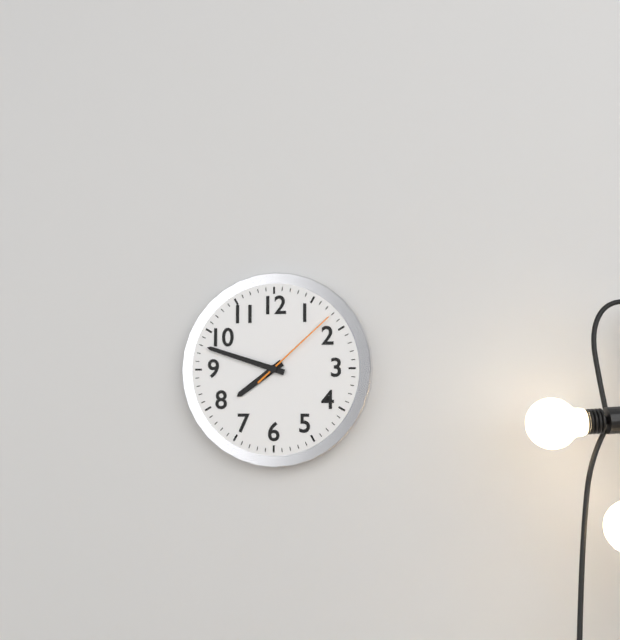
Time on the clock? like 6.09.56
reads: 7.48.08
